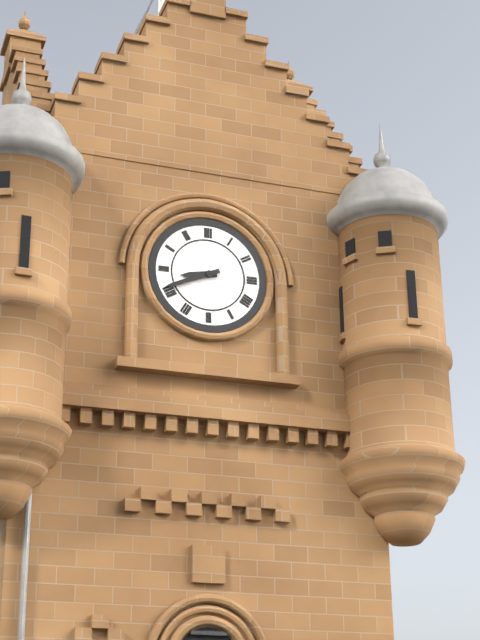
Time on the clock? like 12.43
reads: 8.41
